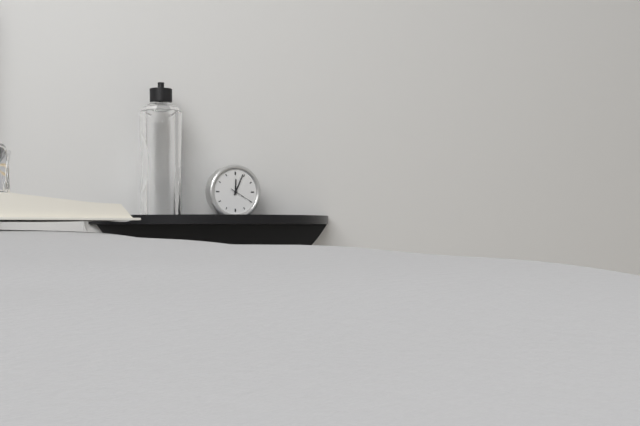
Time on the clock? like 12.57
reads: 12.04
